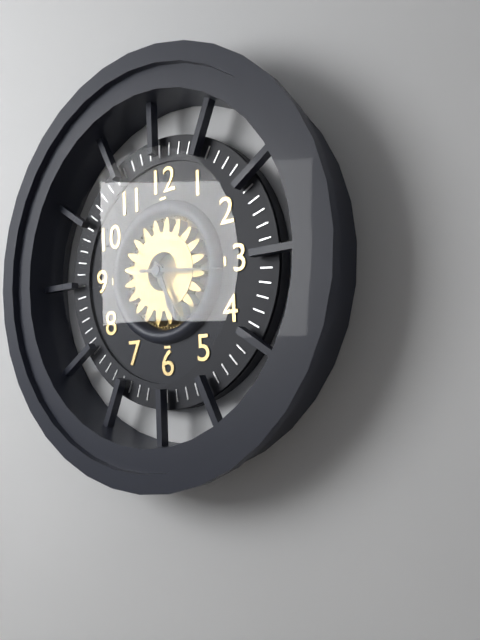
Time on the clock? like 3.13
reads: 5.16
